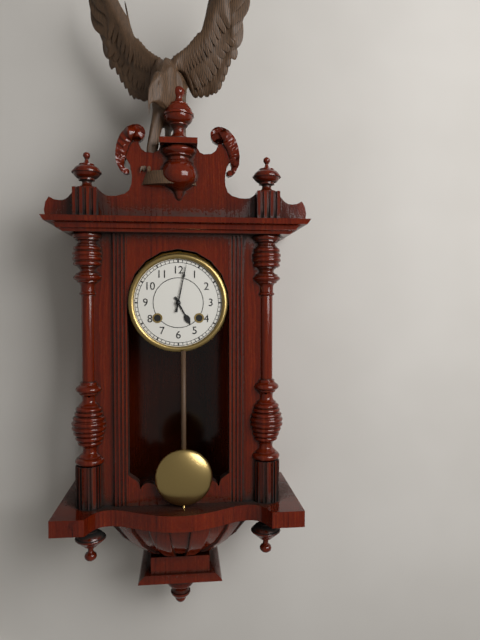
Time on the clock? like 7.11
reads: 5.02
